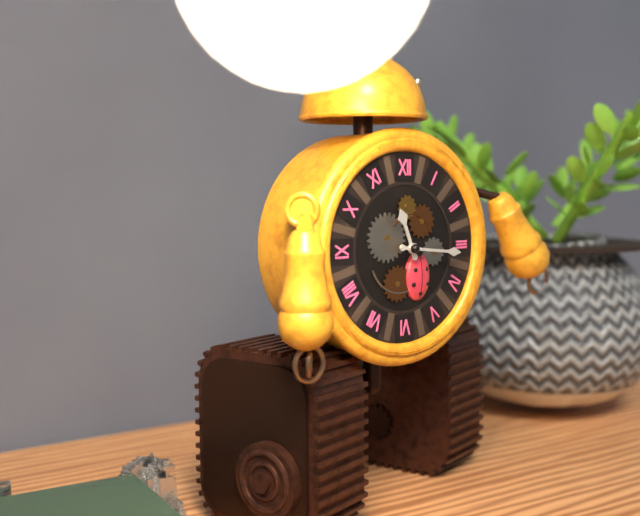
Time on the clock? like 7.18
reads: 11.16
